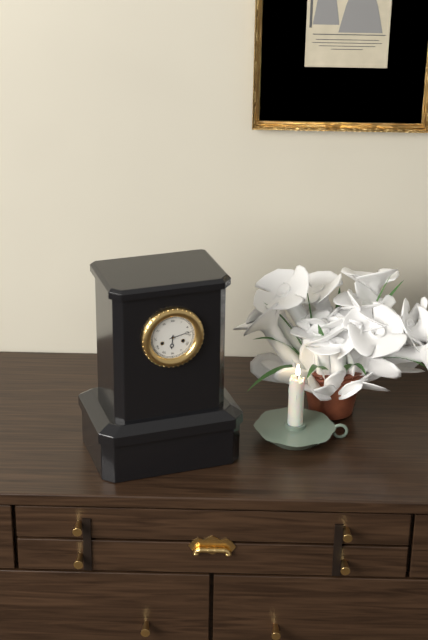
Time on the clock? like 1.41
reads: 6.13
